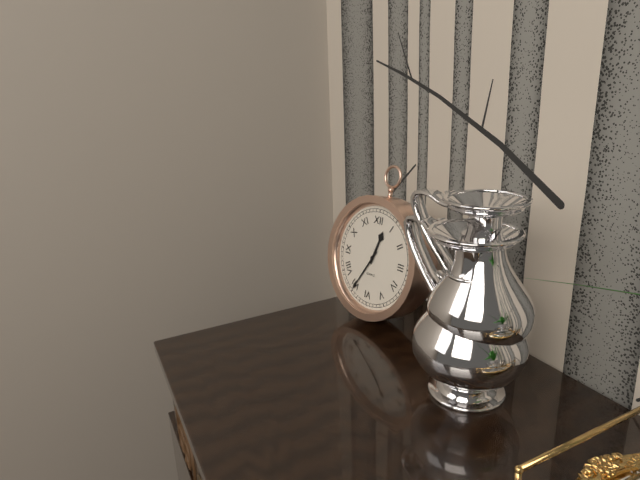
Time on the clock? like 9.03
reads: 12.35
